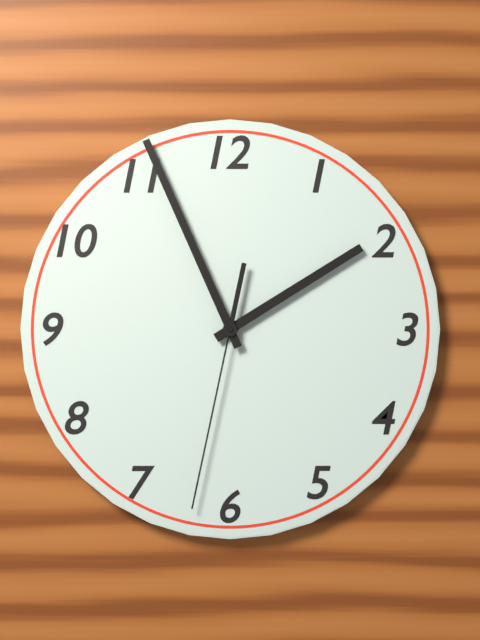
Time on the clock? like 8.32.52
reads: 1.56.32
